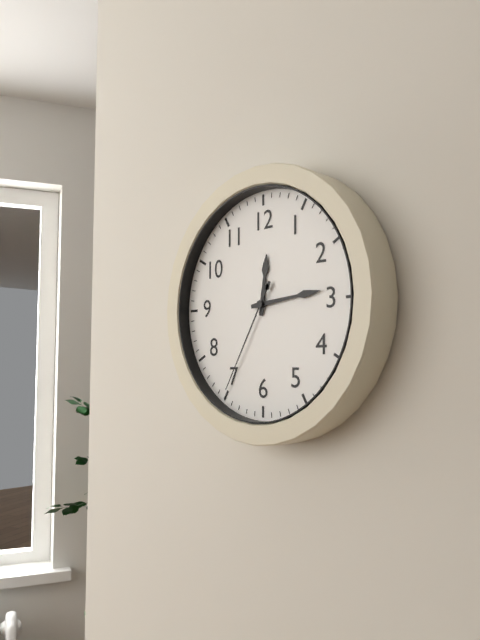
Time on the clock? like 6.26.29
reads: 12.14.35
